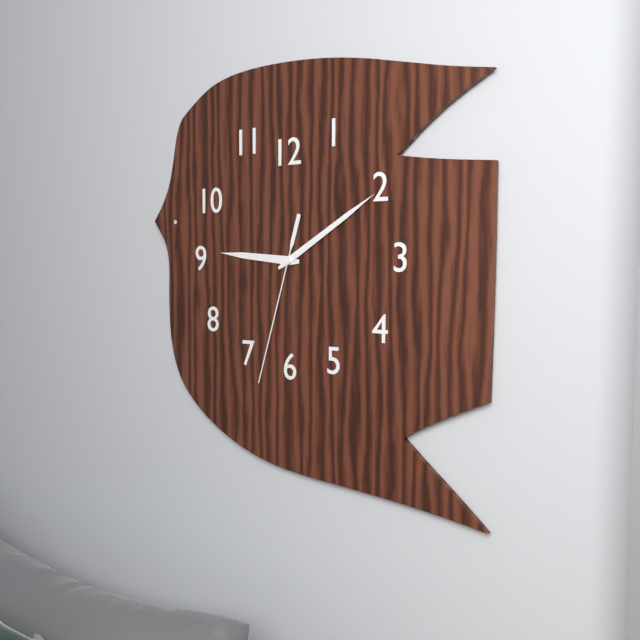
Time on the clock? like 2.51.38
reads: 9.10.33
